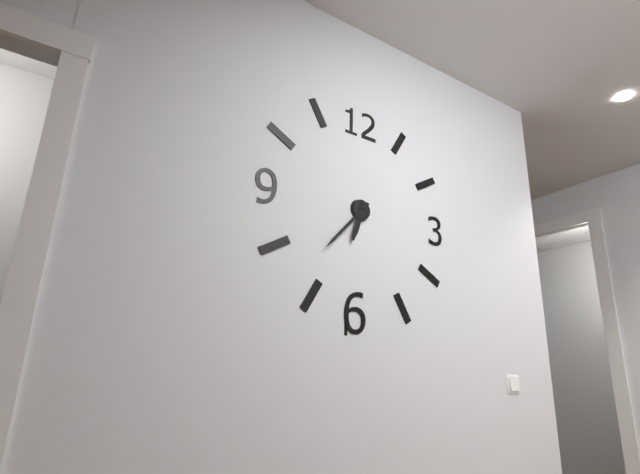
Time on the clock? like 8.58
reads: 6.37
